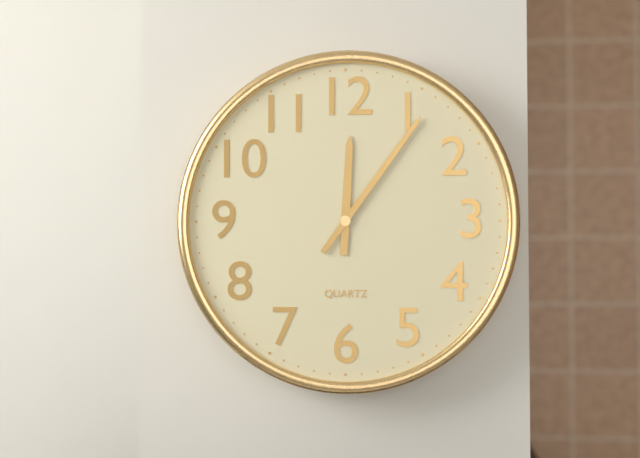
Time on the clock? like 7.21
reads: 12.06
